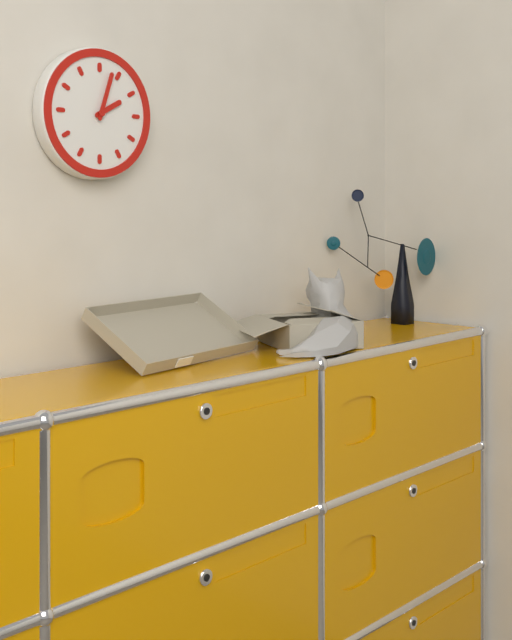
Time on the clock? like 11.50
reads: 2.03
